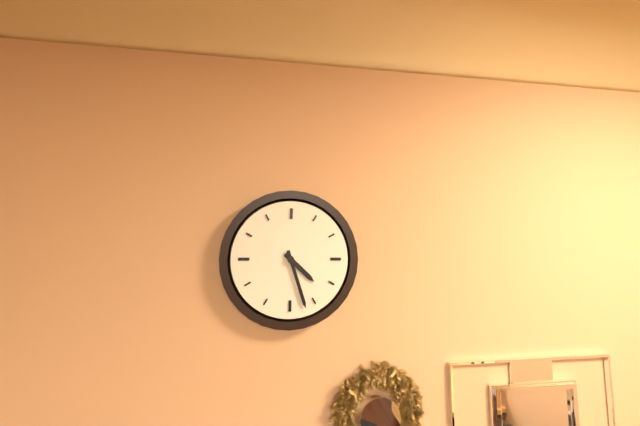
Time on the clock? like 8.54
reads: 4.27
